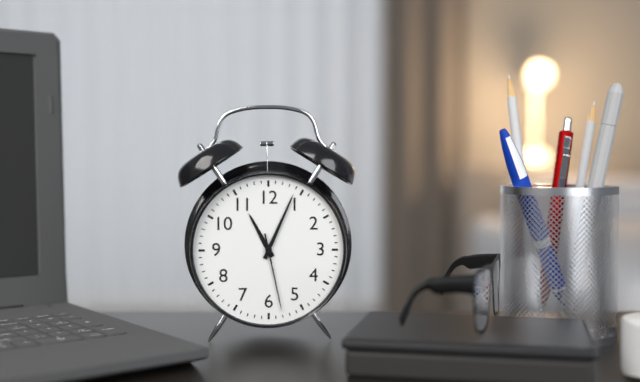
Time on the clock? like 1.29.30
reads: 11.04.28
